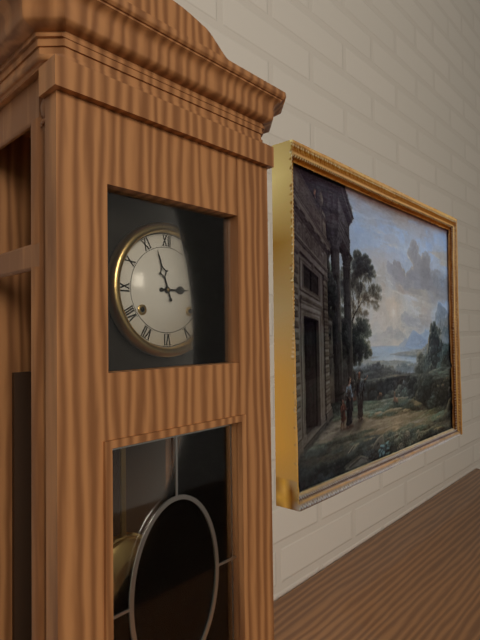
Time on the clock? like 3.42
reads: 2.57
